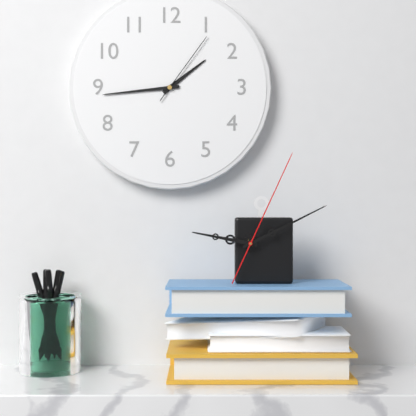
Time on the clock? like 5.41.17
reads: 1.44.06
